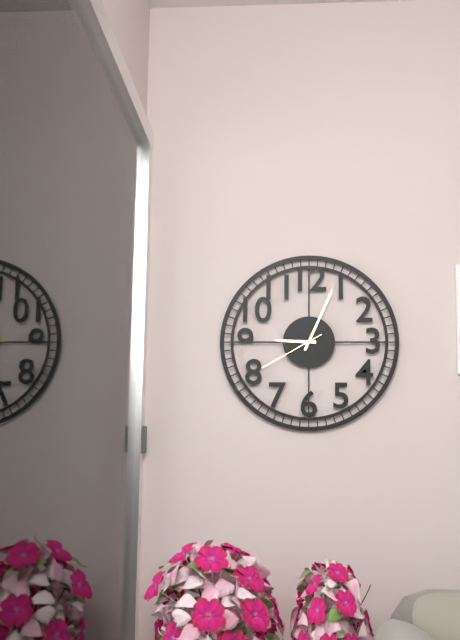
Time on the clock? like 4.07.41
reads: 9.04.40
